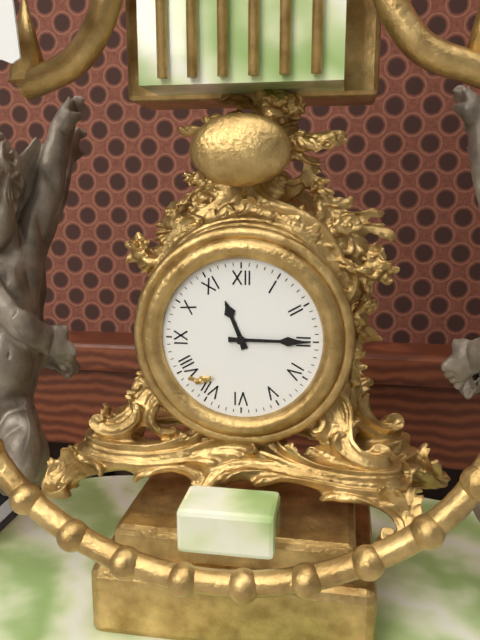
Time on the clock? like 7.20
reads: 11.15
